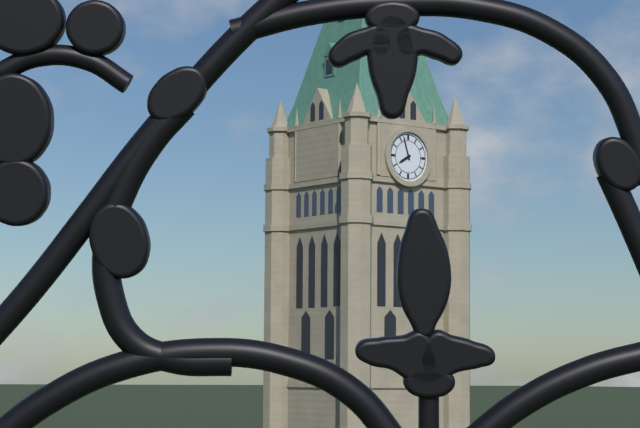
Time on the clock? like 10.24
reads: 7.57
